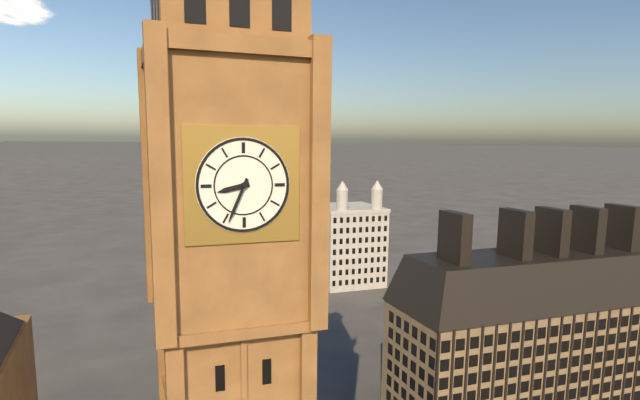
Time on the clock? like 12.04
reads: 8.34
